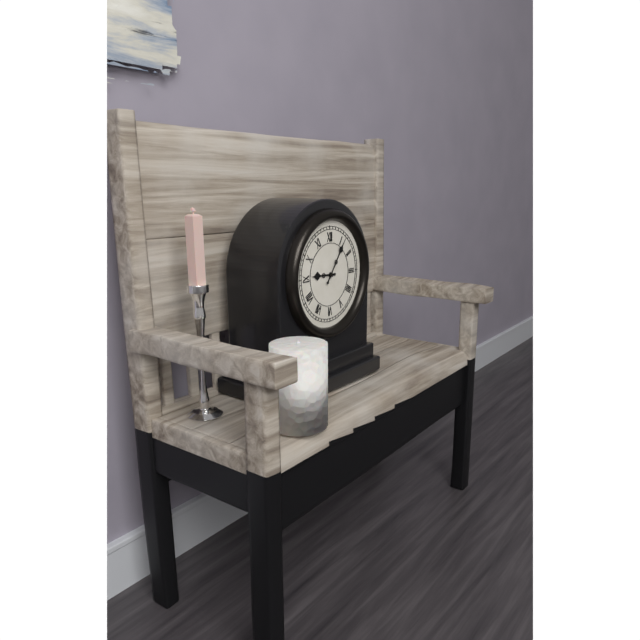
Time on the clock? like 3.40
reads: 9.06
